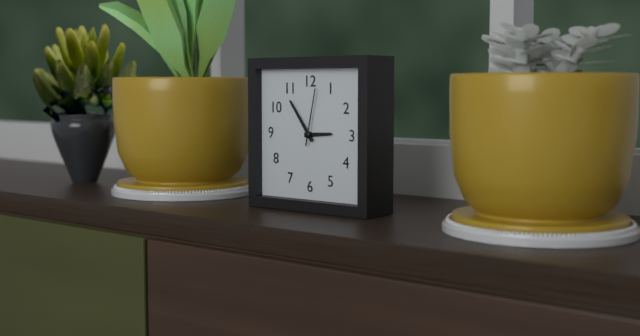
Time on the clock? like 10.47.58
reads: 2.54.02
